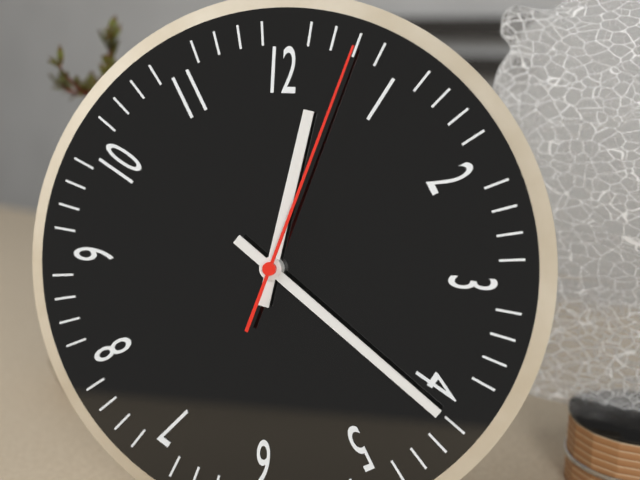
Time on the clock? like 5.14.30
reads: 12.21.03
